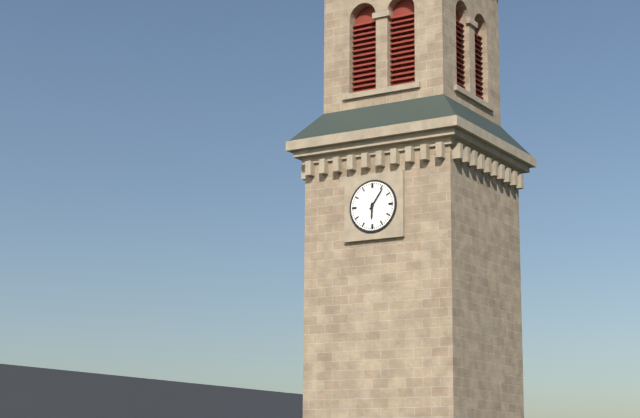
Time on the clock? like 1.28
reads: 6.06
